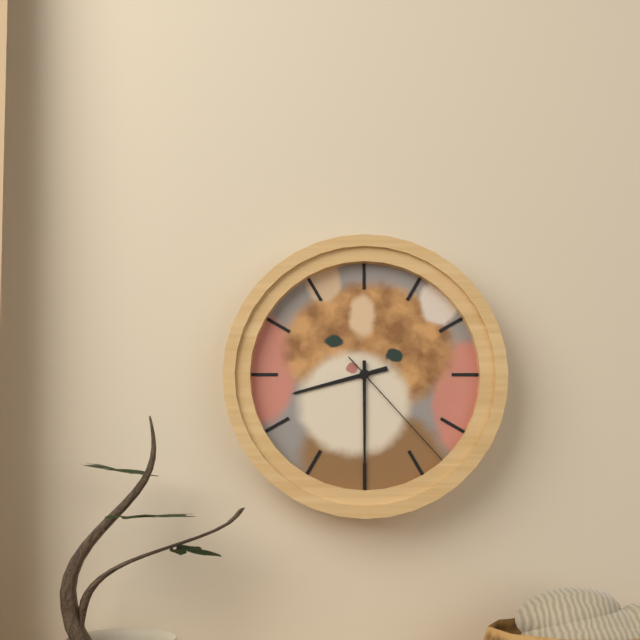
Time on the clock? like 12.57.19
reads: 8.30.23
